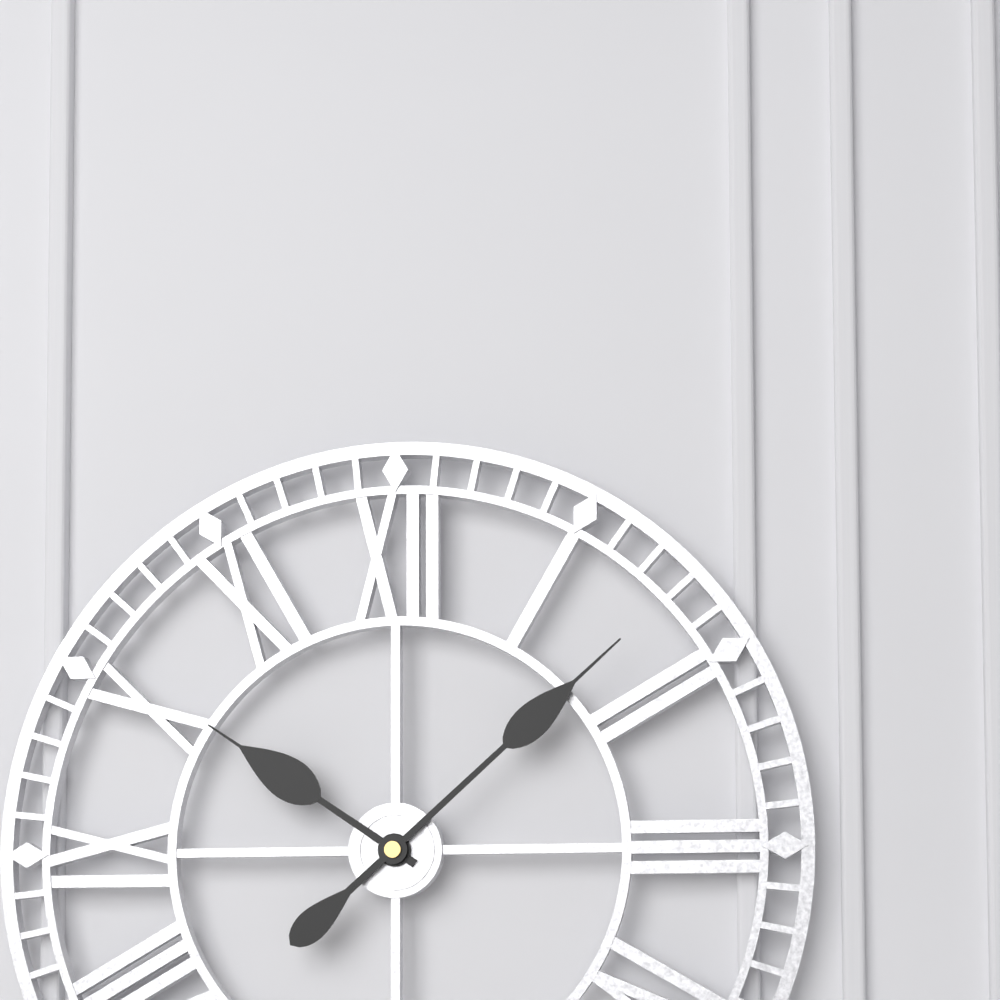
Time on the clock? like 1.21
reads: 10.08
